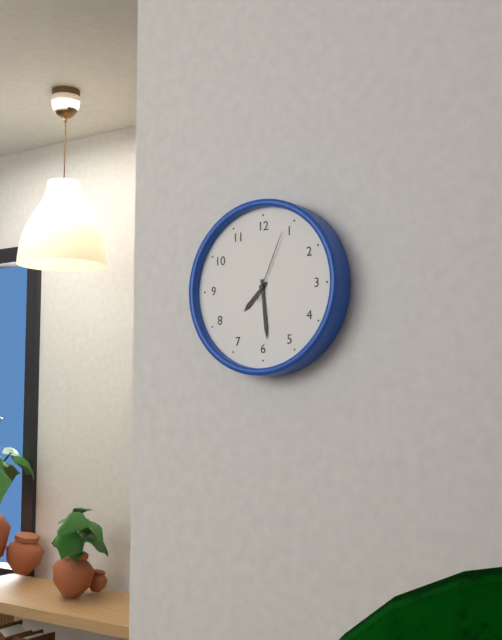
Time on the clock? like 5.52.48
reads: 7.29.04
